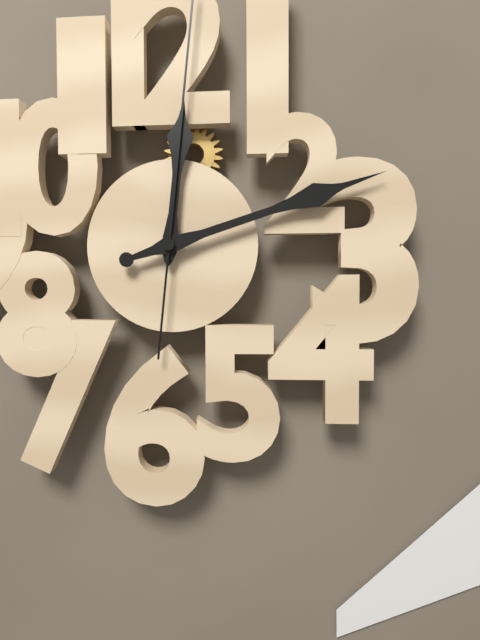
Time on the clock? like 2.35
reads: 12.12
